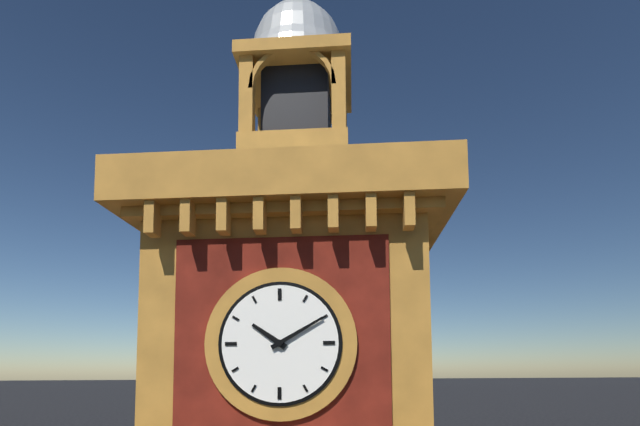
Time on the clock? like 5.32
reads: 10.10
